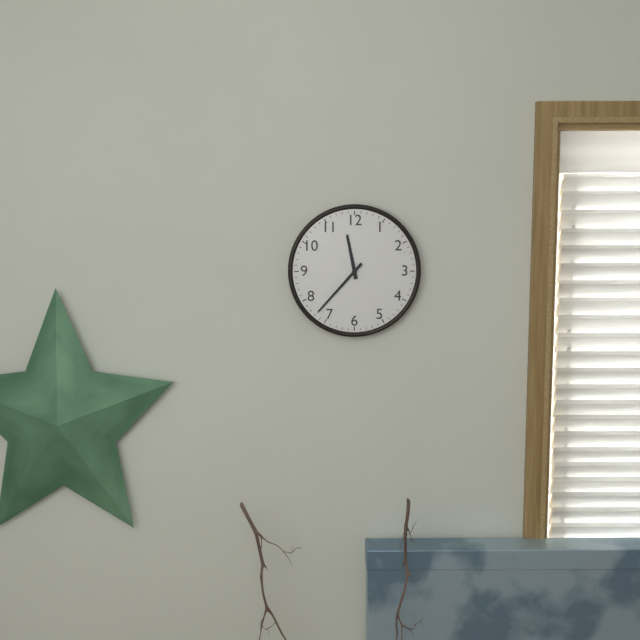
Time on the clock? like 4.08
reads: 11.37
